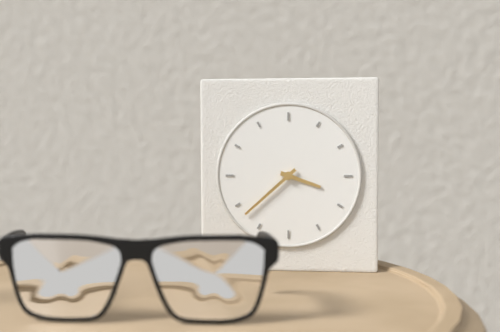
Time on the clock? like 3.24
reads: 3.38
